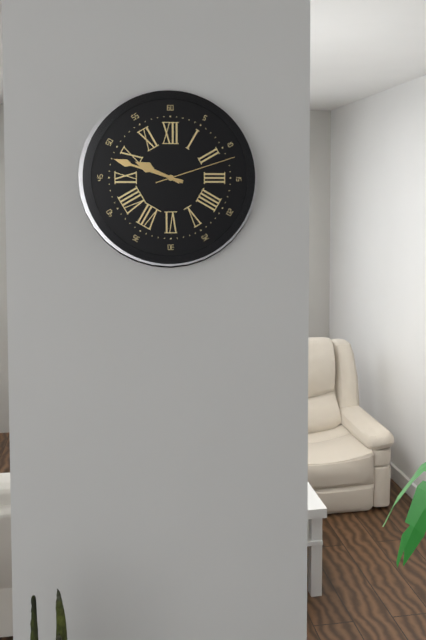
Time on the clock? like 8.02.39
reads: 9.48.12
